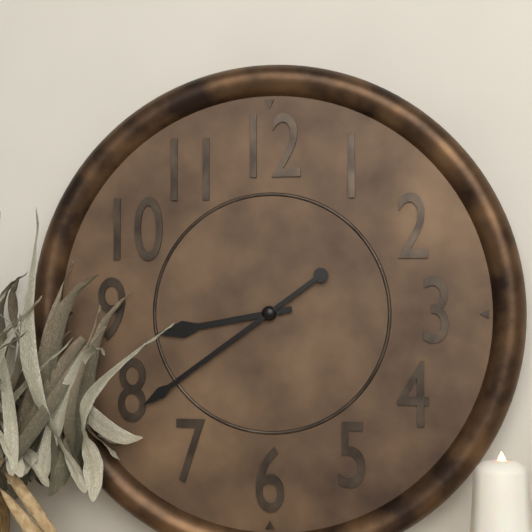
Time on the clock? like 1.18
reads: 8.39
